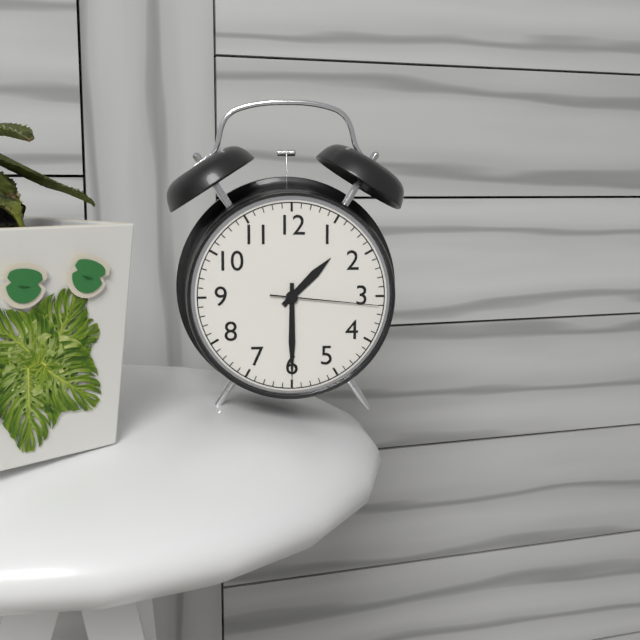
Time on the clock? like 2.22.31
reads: 1.30.16
